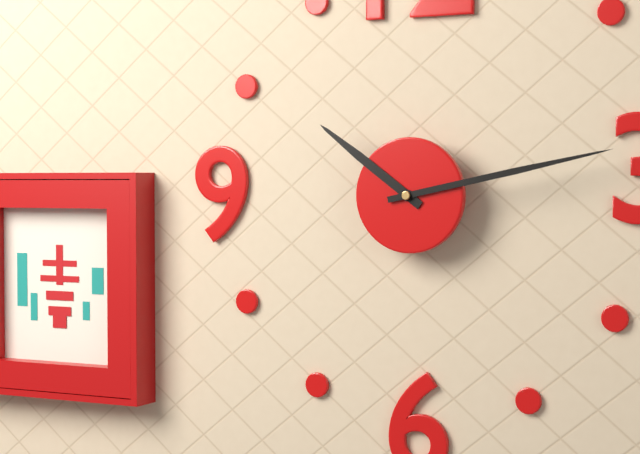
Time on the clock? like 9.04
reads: 10.13
